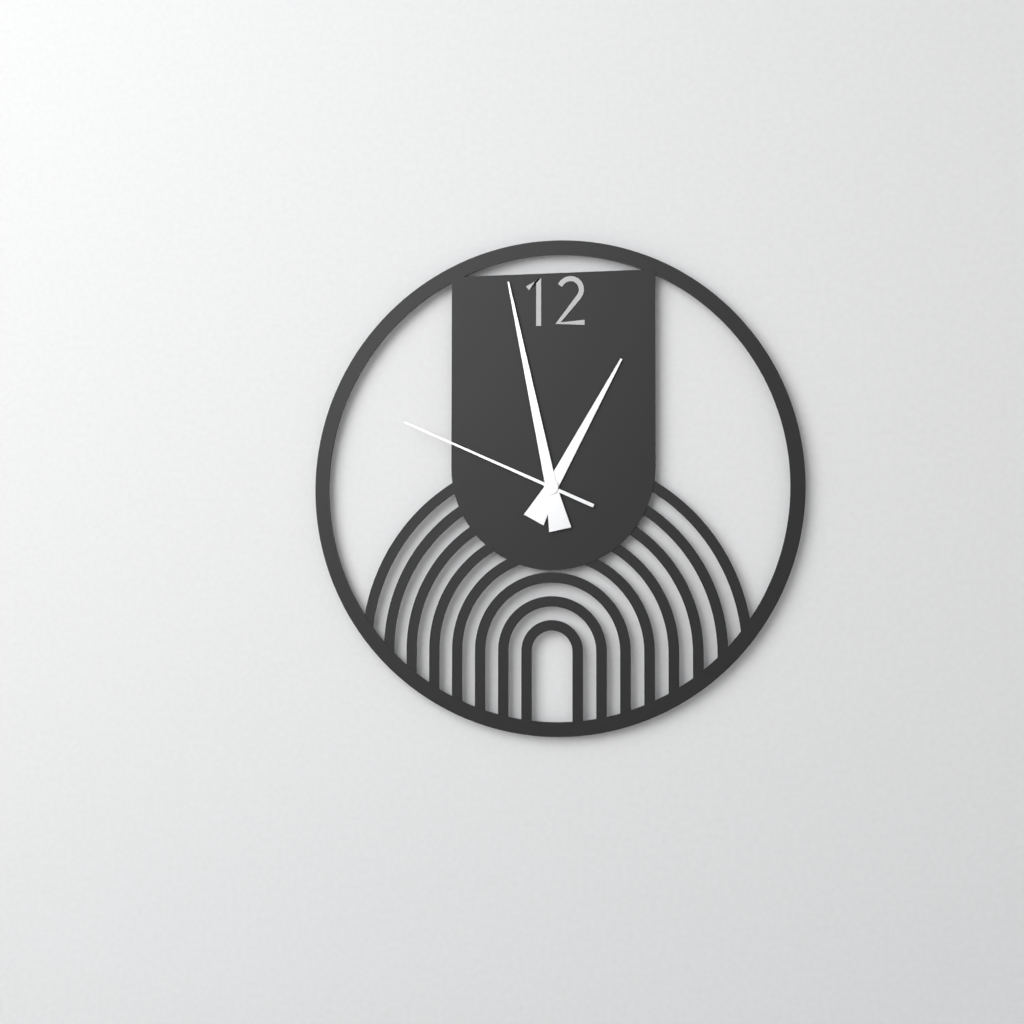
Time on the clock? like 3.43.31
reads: 12.58.49
